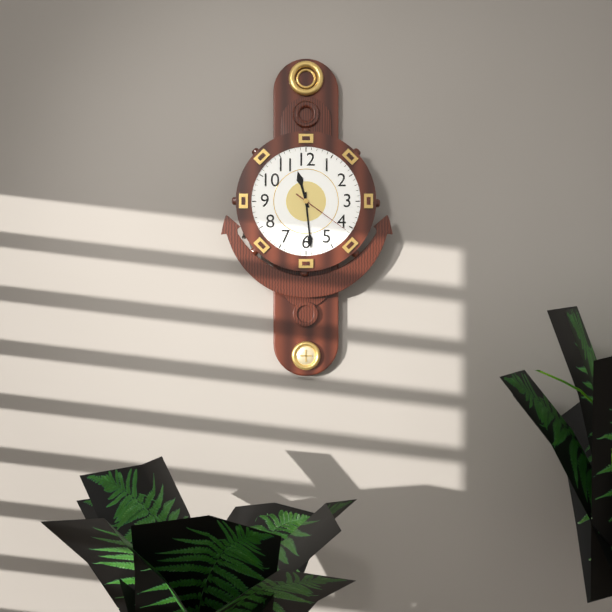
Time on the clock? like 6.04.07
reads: 11.29.21
